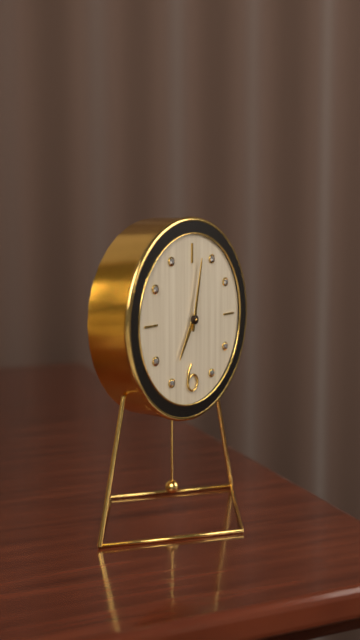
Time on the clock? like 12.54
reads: 7.02
